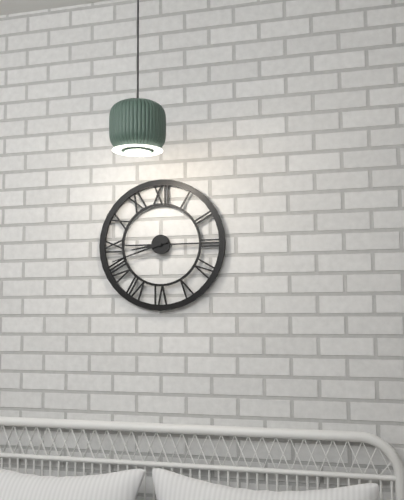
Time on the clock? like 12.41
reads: 8.42
